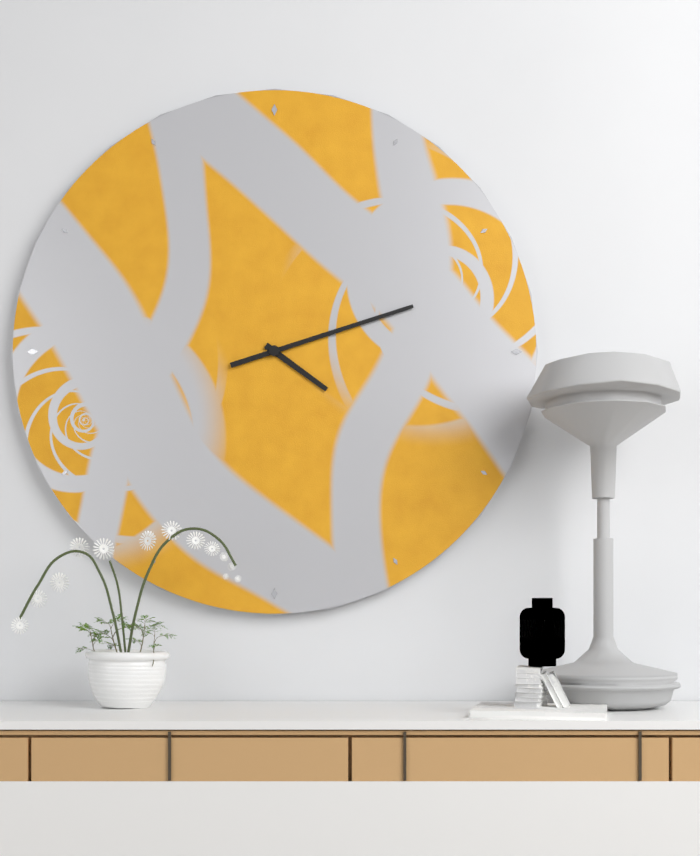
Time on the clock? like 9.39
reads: 4.12
